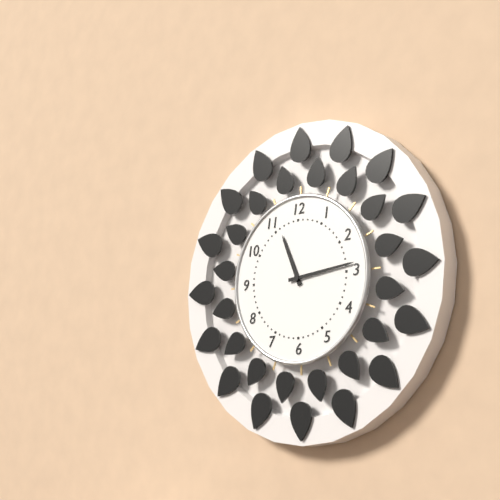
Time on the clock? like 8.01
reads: 11.14
